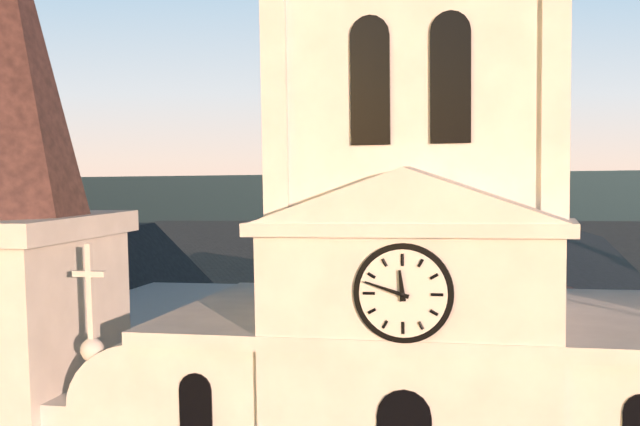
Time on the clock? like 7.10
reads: 11.48
